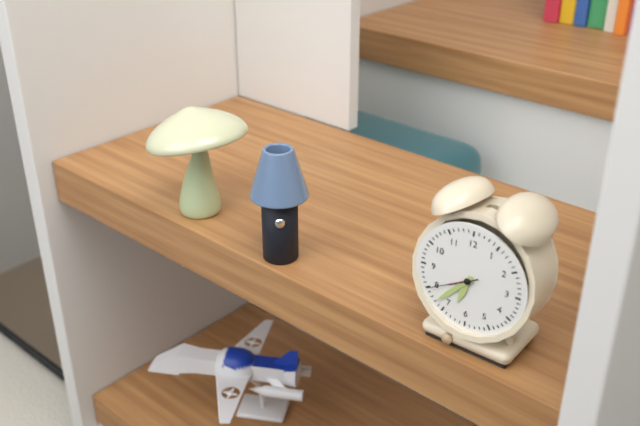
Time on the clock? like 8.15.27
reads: 6.37.40
